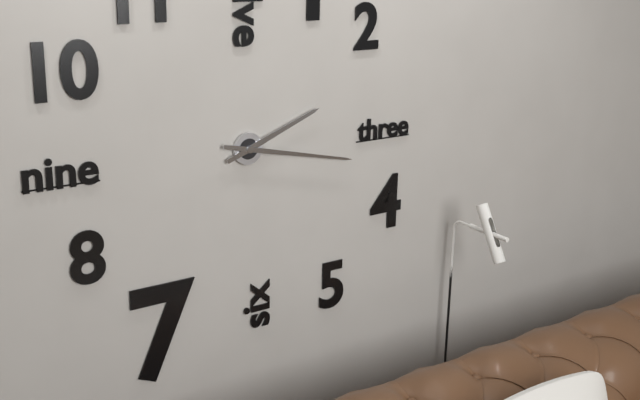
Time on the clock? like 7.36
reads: 2.17
